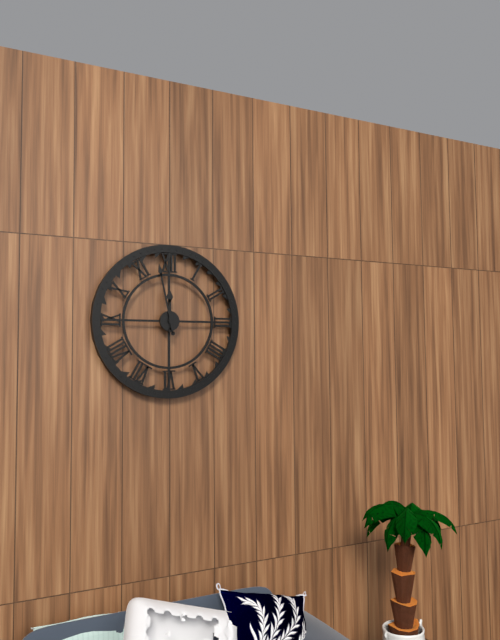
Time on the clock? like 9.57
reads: 11.58
